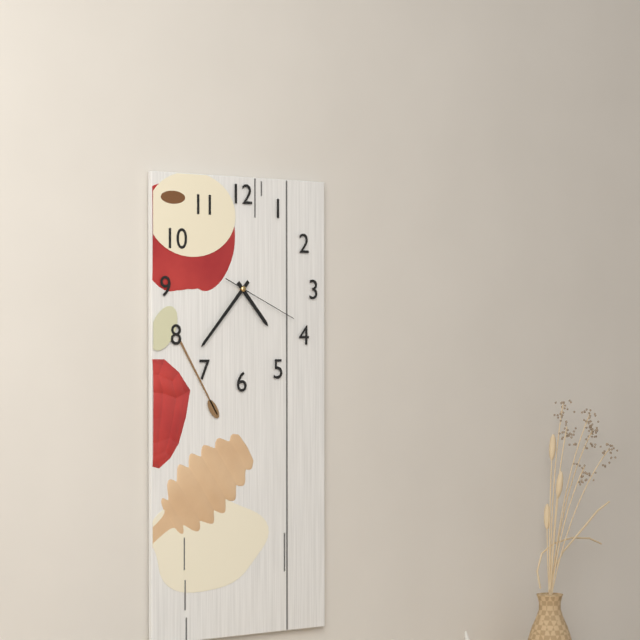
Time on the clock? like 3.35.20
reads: 4.37.19
